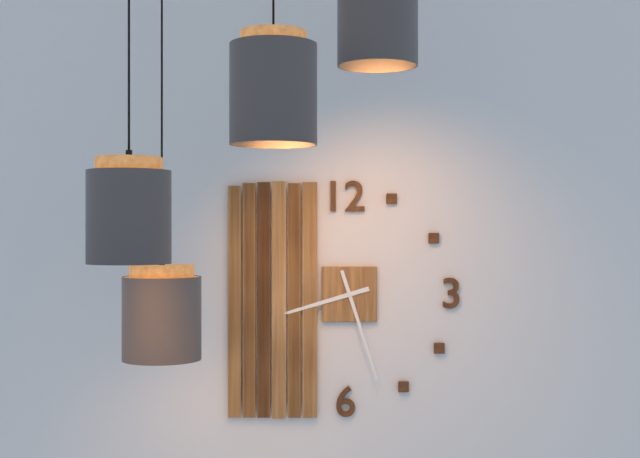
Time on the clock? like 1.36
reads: 8.27
